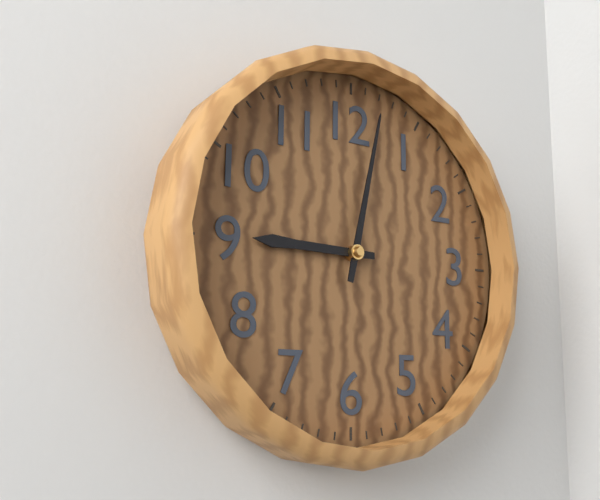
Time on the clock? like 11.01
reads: 9.02
